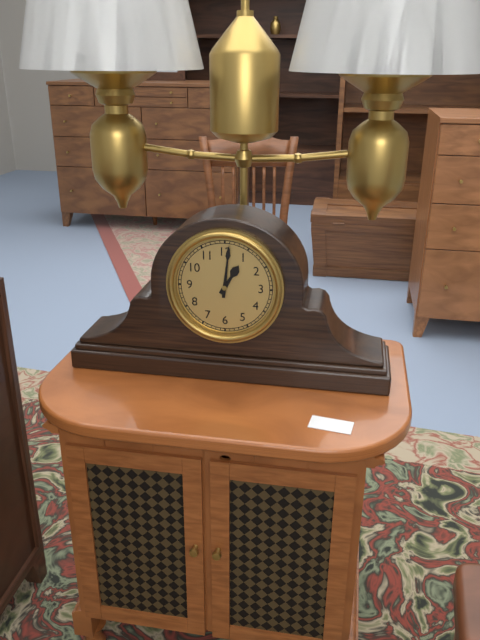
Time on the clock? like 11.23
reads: 1.01
